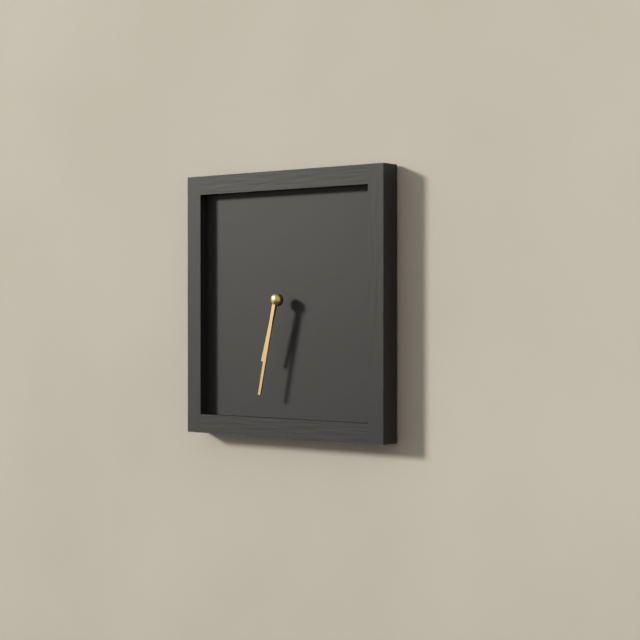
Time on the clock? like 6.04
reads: 6.32
